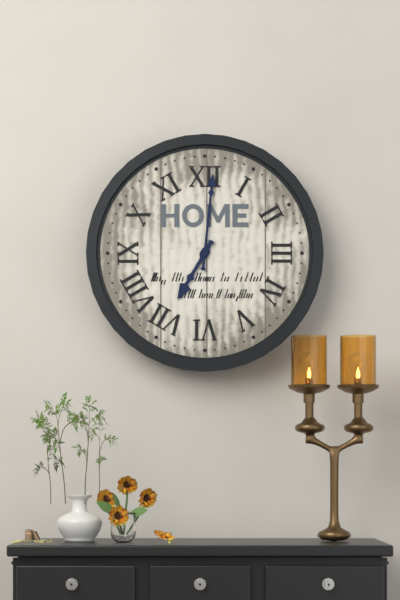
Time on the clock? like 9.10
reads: 7.01
